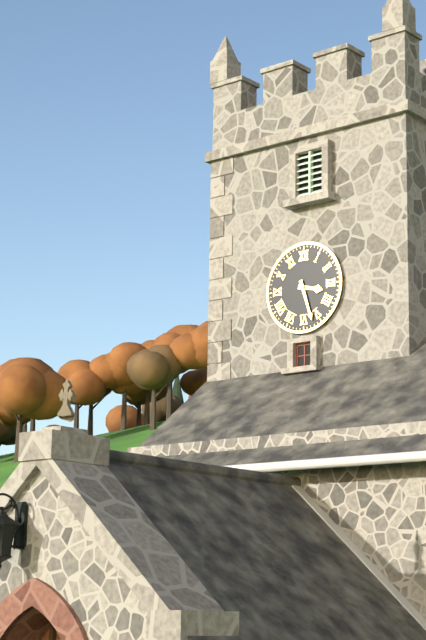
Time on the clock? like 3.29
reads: 3.27
